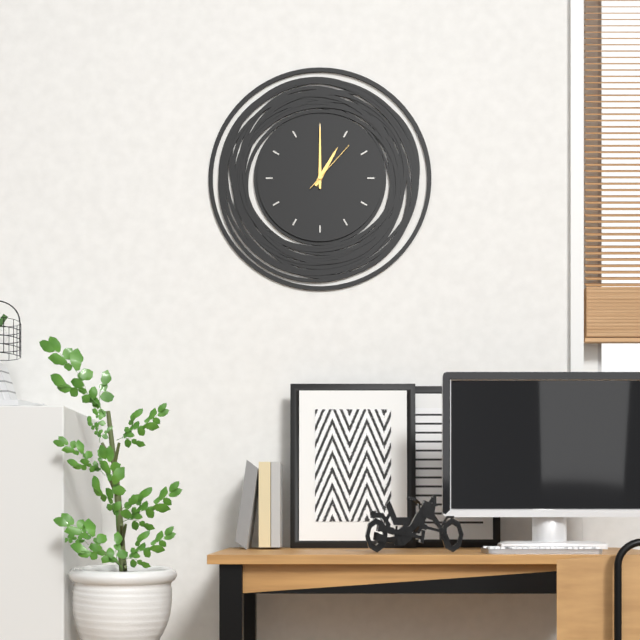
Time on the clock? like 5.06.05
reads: 1.00.07
